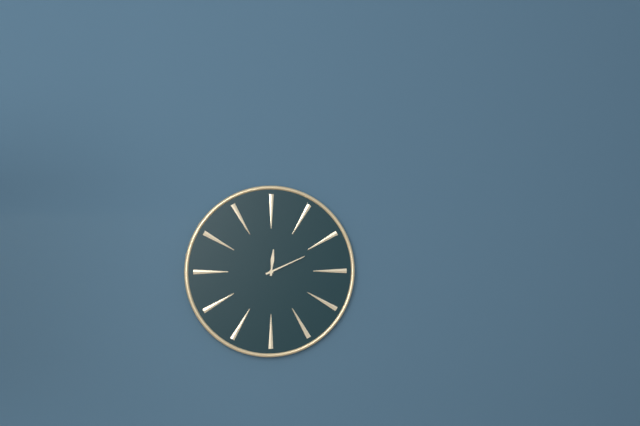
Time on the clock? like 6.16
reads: 12.11
